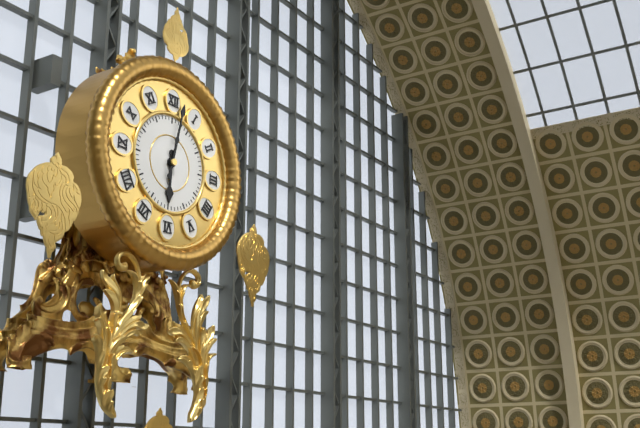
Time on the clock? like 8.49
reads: 6.02
